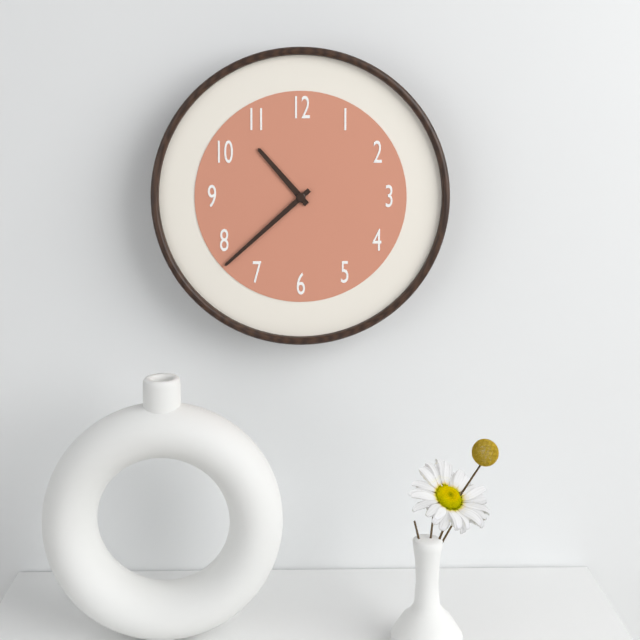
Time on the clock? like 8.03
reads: 10.38
